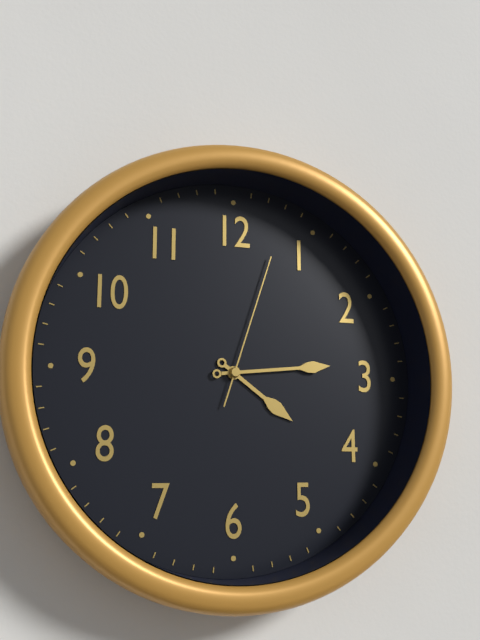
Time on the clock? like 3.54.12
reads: 4.14.03
